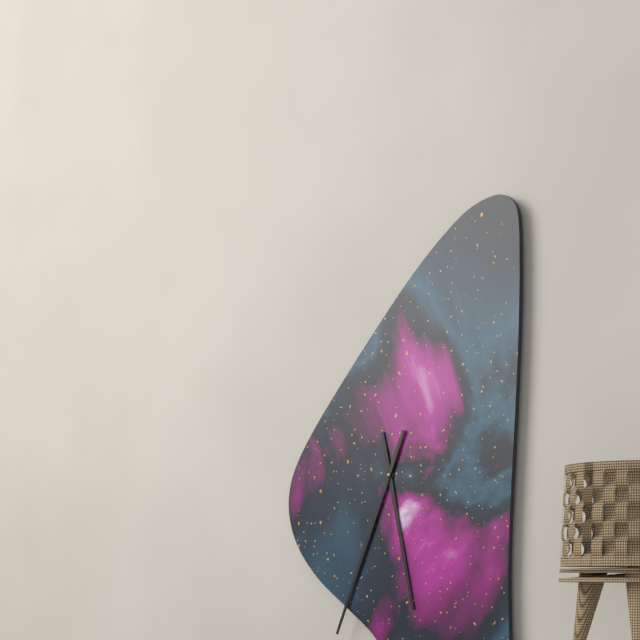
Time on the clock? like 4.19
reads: 5.34
